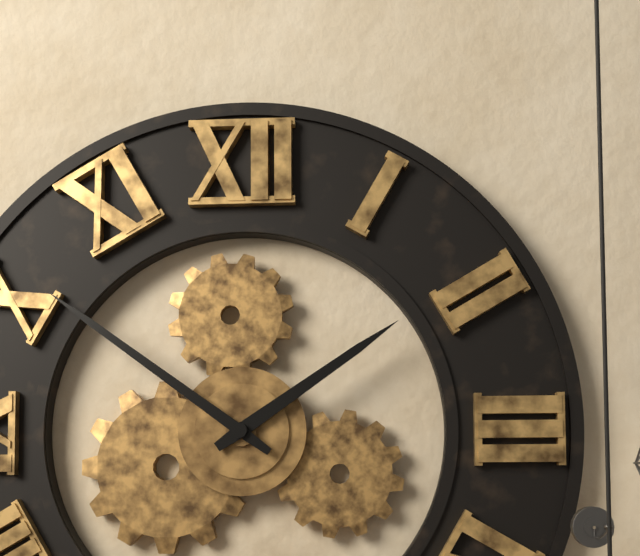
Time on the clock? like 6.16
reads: 1.51
